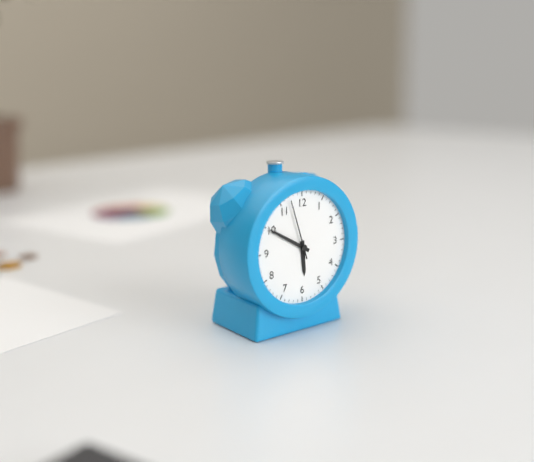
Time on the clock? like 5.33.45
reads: 5.50.57
